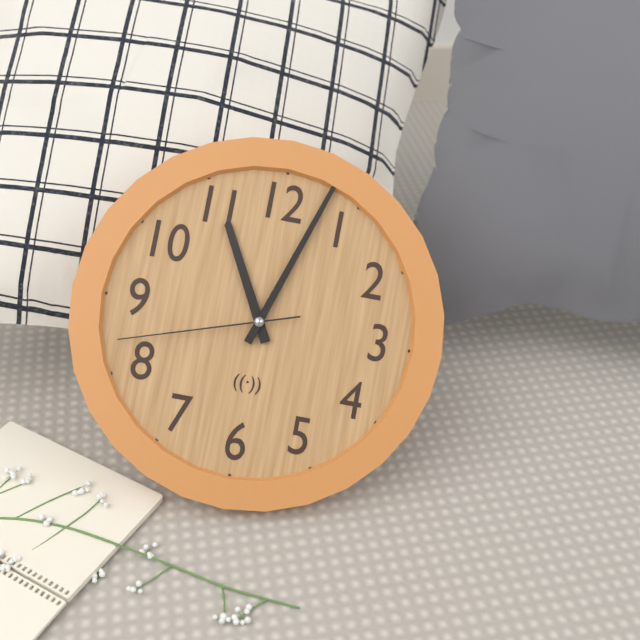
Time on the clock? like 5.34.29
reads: 11.03.42
